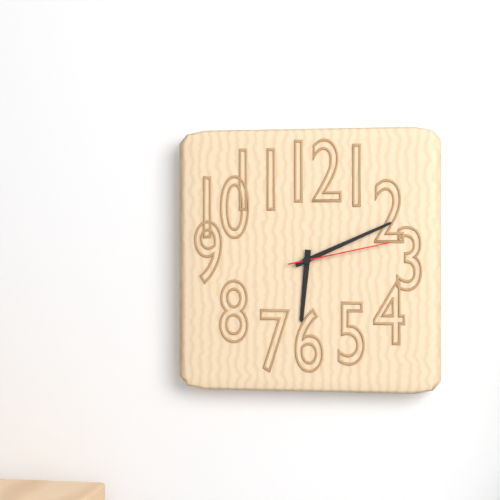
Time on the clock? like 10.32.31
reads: 6.11.13
